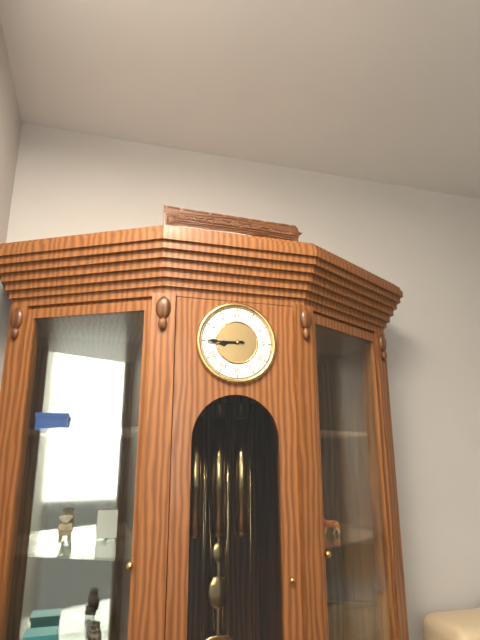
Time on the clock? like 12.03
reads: 8.45
